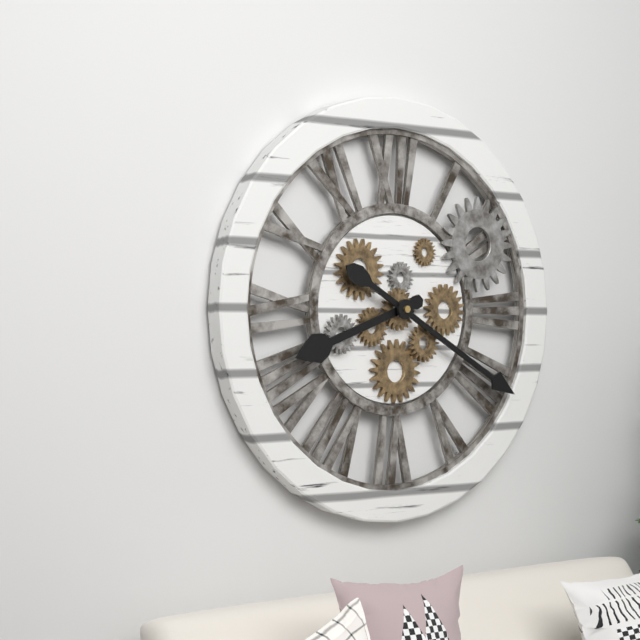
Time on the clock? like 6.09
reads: 8.20
